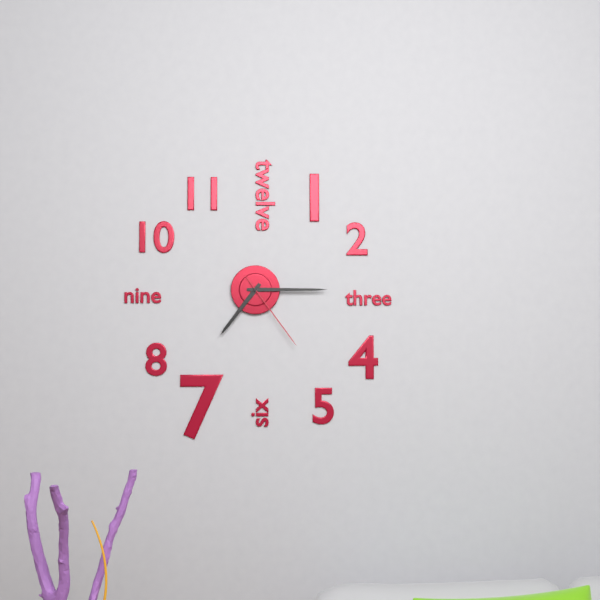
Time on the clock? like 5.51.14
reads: 7.15.24
